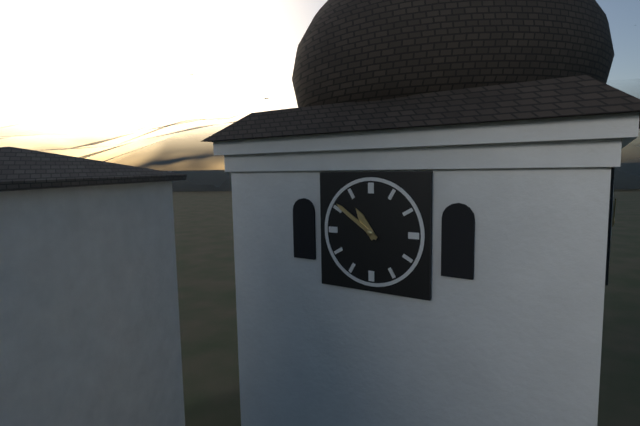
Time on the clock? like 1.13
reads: 10.51
